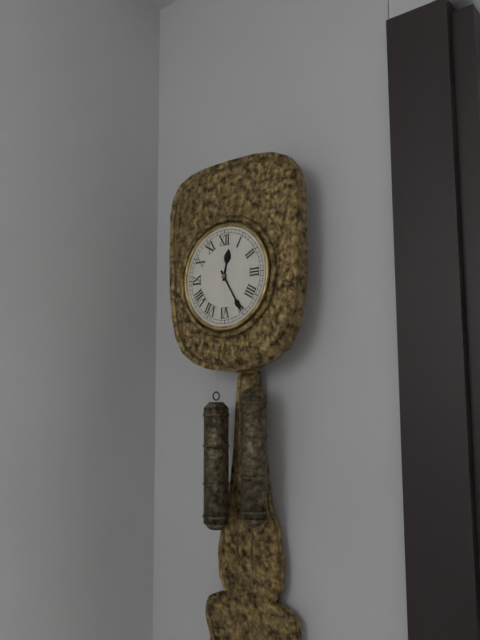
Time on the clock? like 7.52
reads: 12.25
